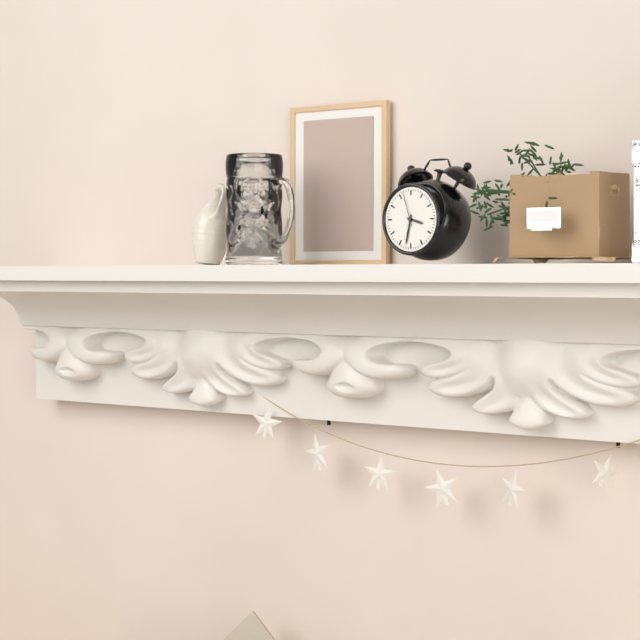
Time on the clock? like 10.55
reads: 3.32
